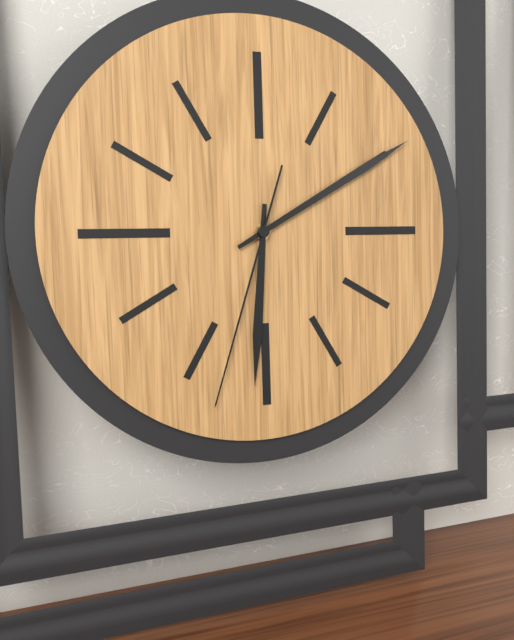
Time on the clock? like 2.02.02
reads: 6.10.33
